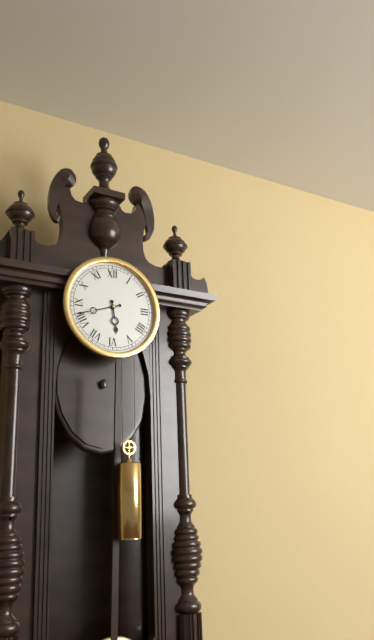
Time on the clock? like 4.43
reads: 5.42
